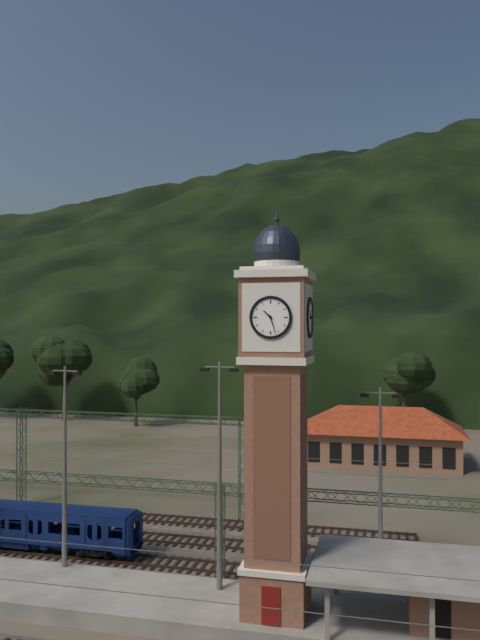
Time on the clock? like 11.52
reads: 10.27
